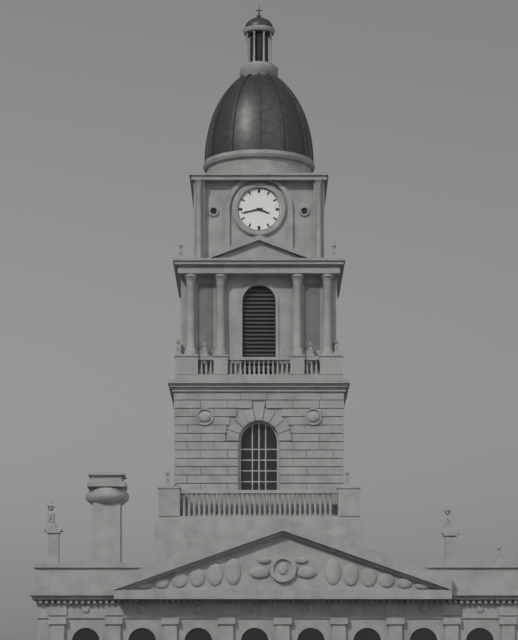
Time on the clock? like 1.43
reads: 3.43
